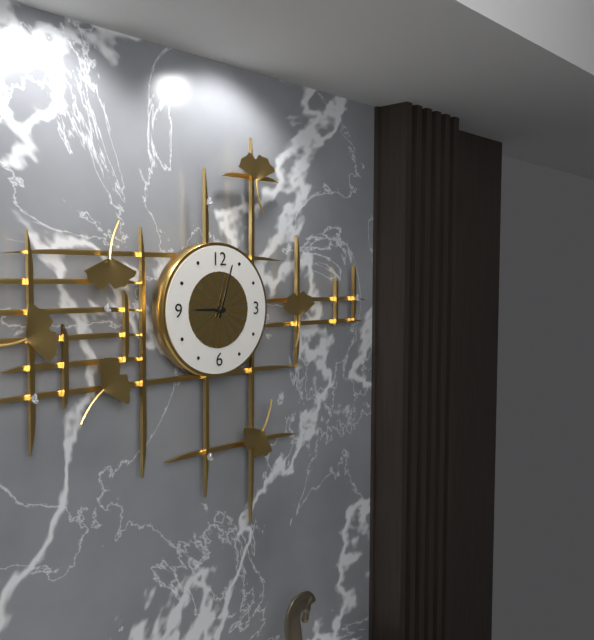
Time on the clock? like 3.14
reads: 9.03
